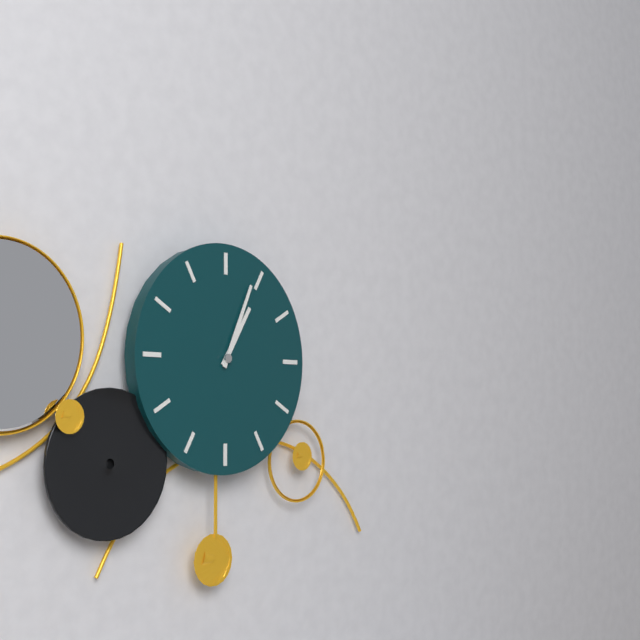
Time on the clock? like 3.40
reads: 1.04
